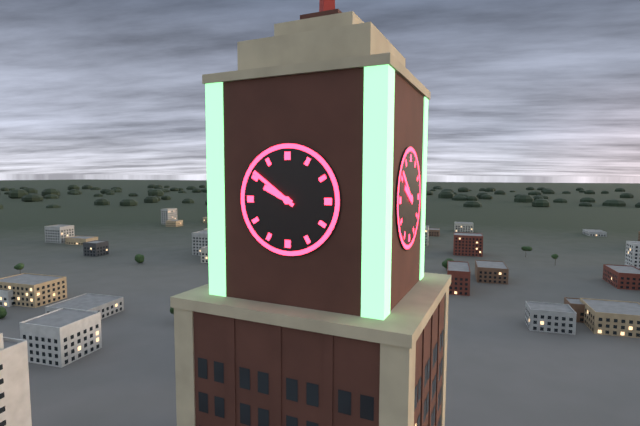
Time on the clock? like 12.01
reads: 9.51
